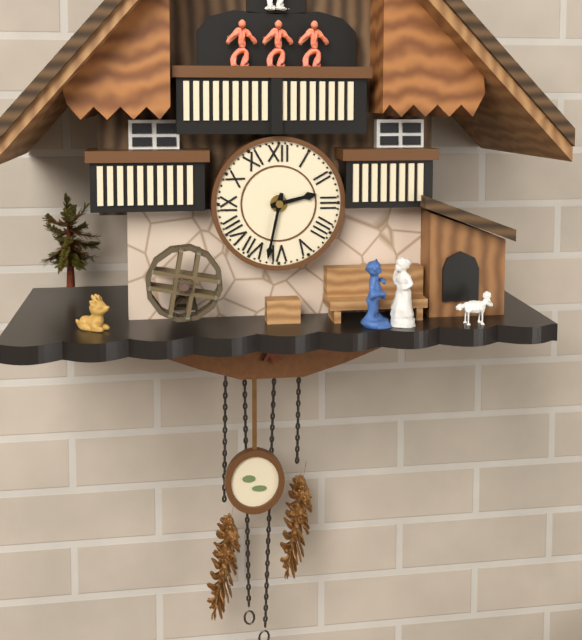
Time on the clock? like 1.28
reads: 2.32
